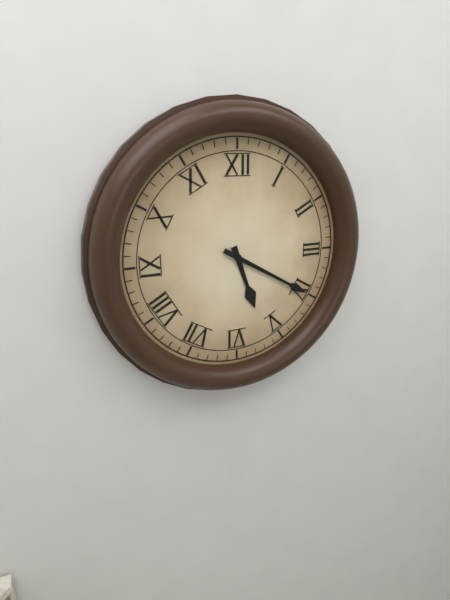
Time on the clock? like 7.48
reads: 5.20
